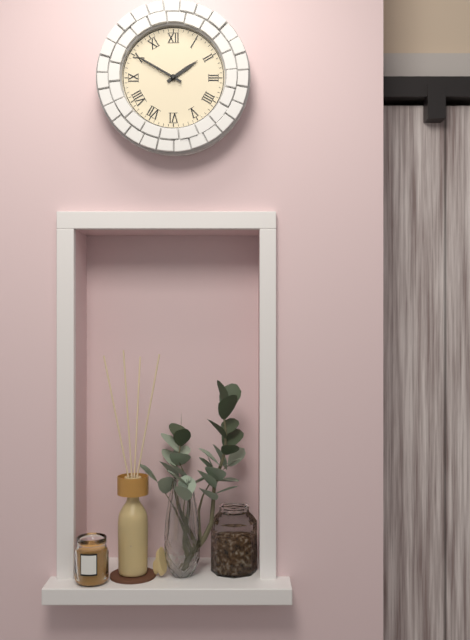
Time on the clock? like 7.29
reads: 1.50
